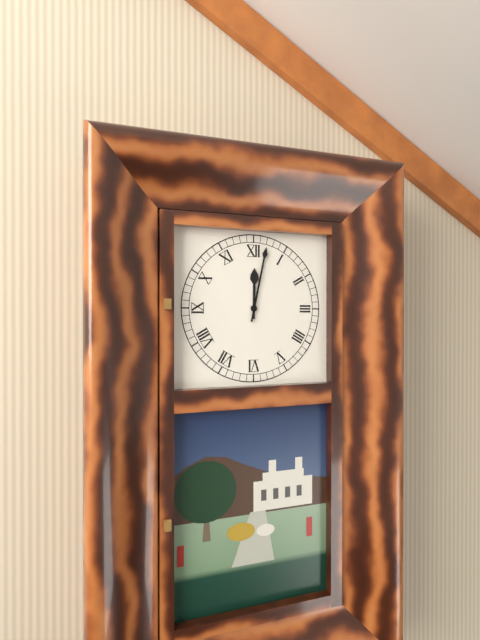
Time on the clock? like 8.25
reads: 12.02
